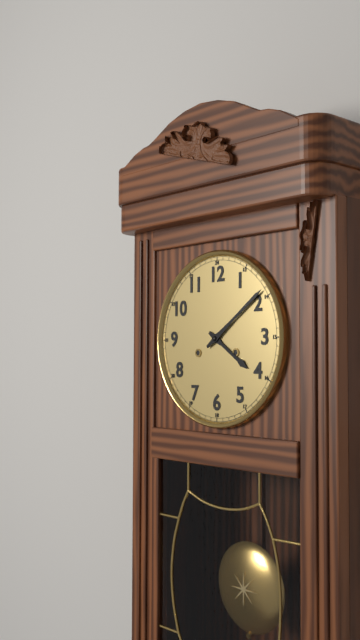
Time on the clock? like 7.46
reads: 4.09
